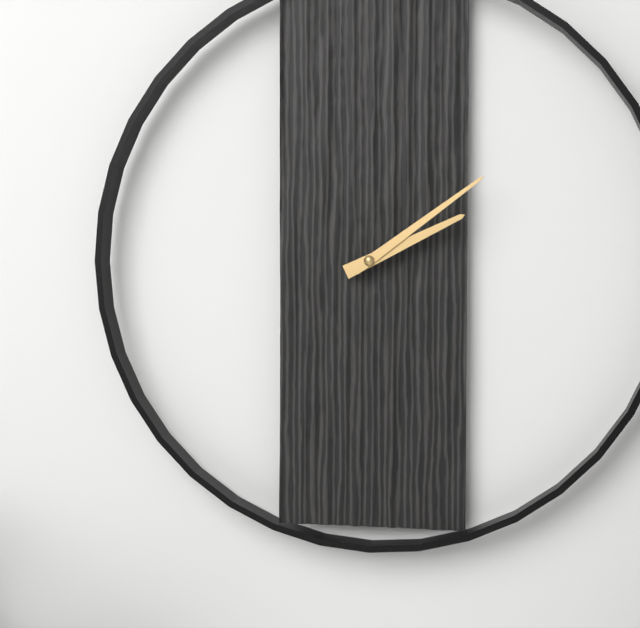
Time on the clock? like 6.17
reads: 2.09
